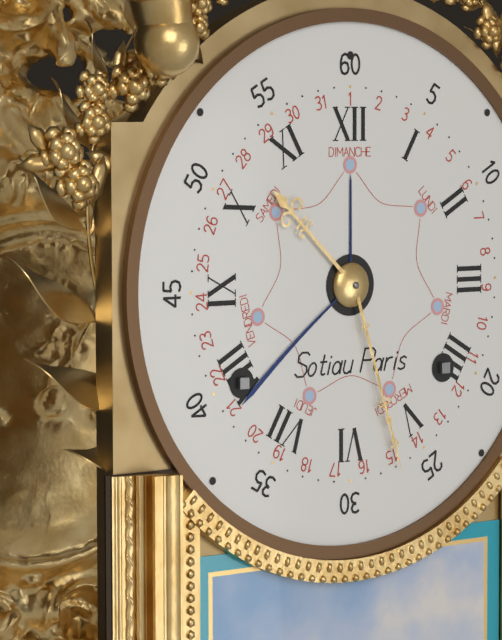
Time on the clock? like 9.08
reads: 10.27
